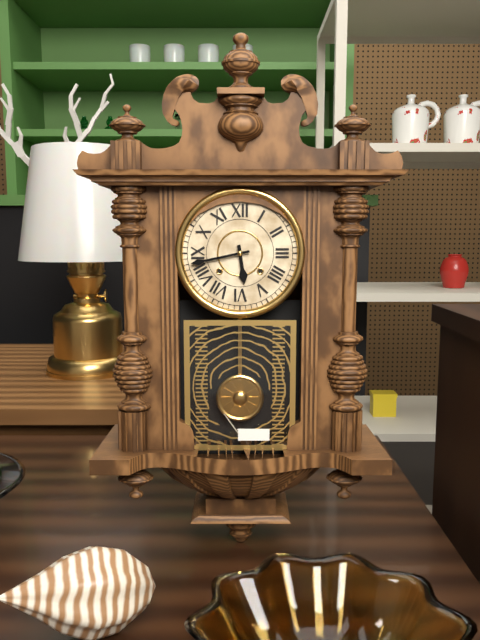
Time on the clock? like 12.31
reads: 5.43
